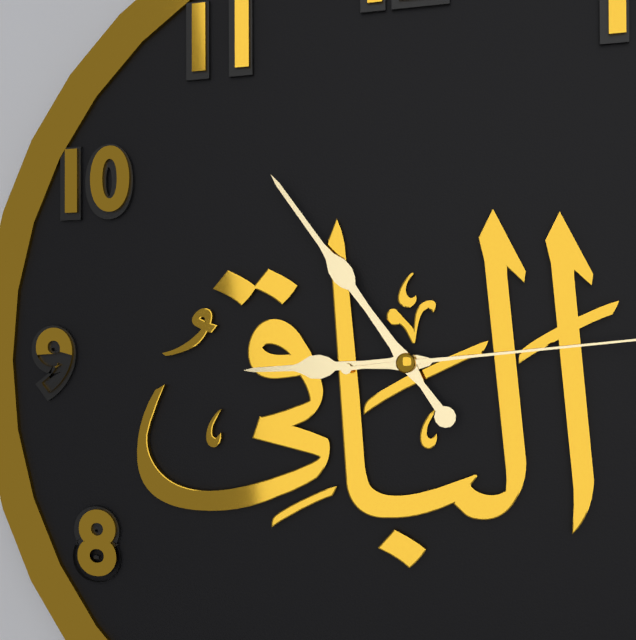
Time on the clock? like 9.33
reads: 8.54
